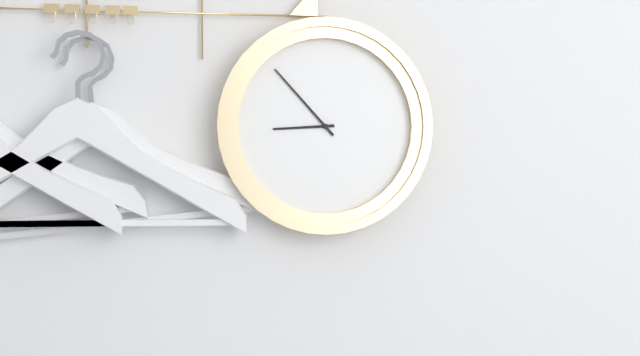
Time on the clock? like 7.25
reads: 8.53
